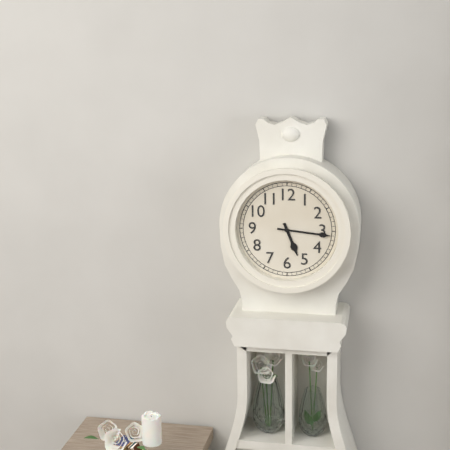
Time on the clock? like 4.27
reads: 5.16
